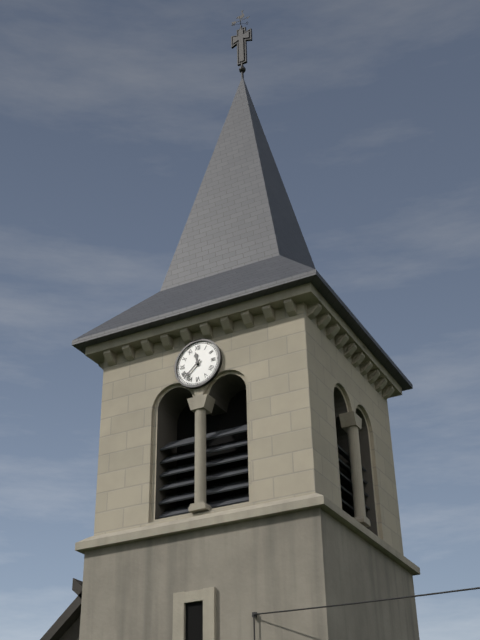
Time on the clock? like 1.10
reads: 11.38
